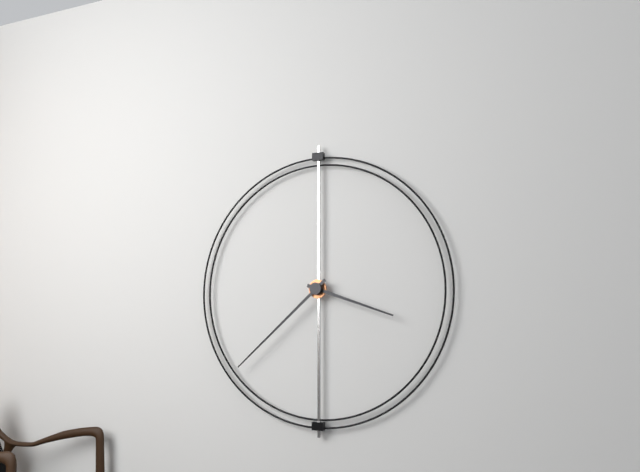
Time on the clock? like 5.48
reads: 3.38
